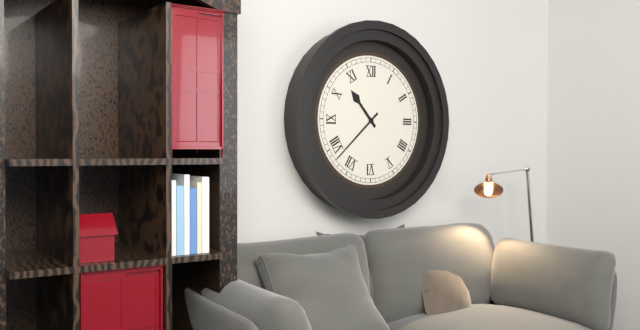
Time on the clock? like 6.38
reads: 10.38
